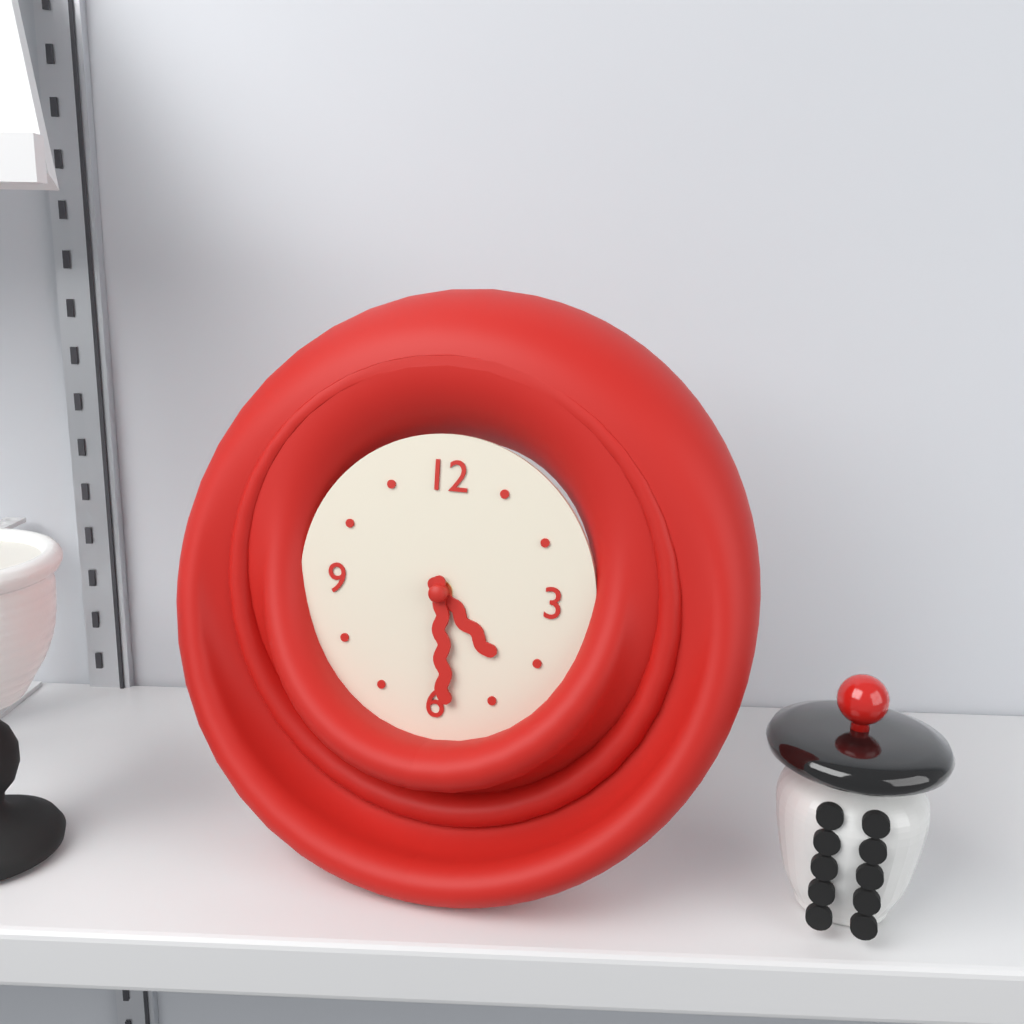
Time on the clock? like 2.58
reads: 4.29
